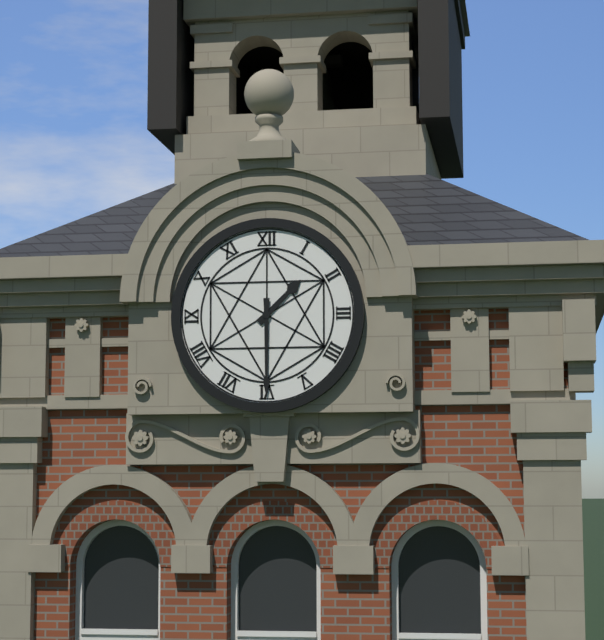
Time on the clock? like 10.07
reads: 1.30
